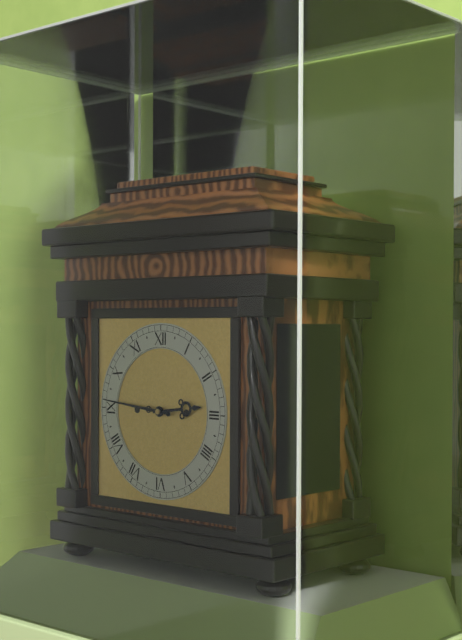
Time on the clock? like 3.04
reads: 2.46
